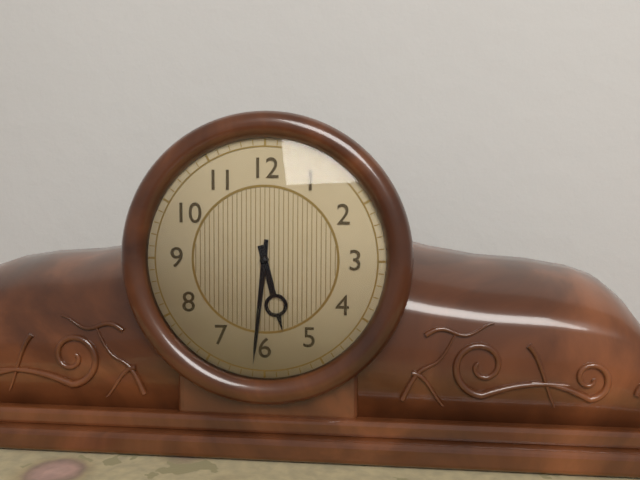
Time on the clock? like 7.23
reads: 5.31
